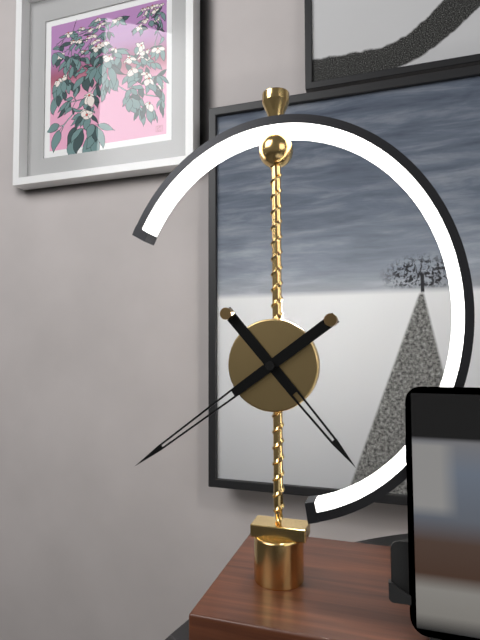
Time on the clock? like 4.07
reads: 4.39
